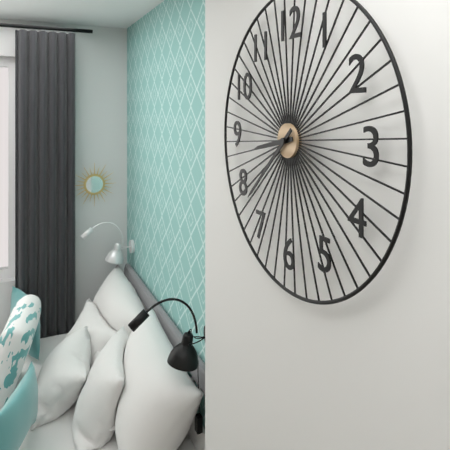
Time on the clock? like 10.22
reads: 8.38
